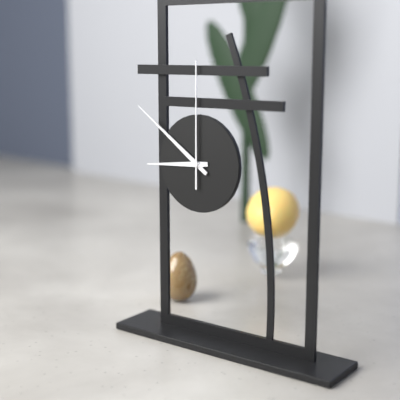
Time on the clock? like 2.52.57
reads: 8.51.00
